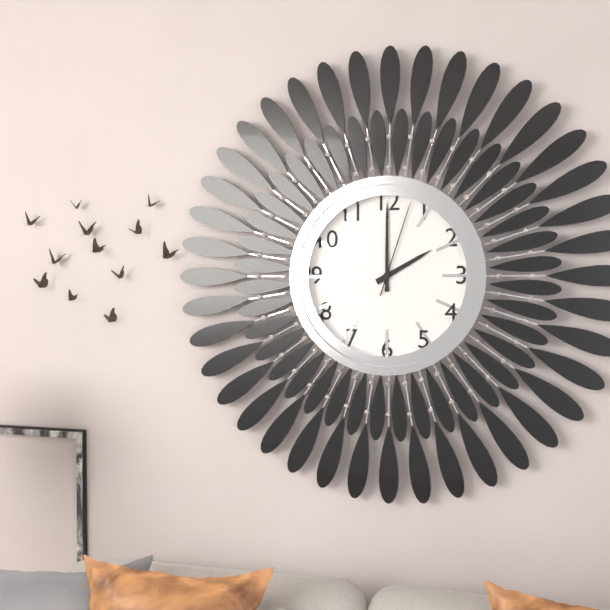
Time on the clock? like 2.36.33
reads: 2.00.03
